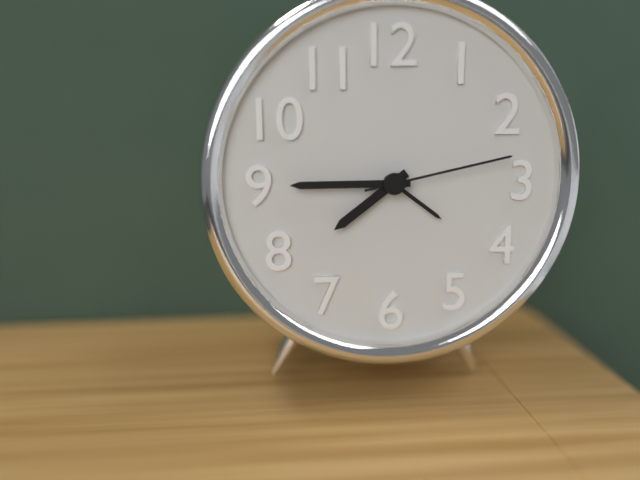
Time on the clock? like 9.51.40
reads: 7.45.13
